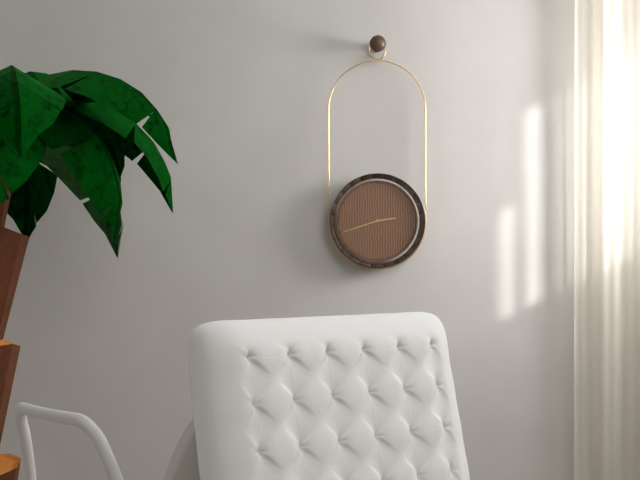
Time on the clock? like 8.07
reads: 2.42
